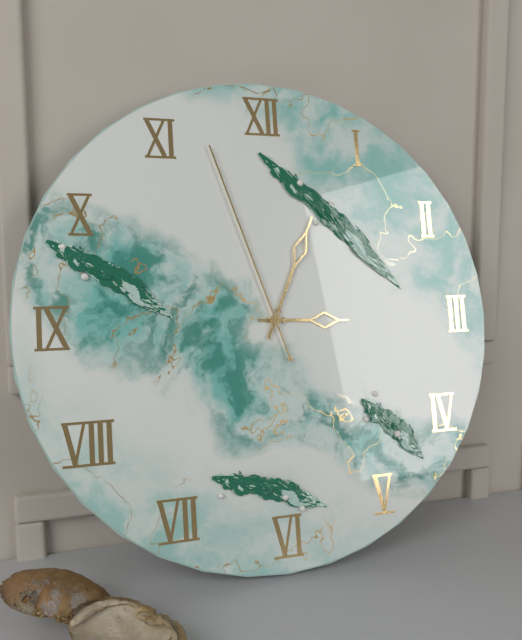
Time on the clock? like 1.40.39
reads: 3.04.57
